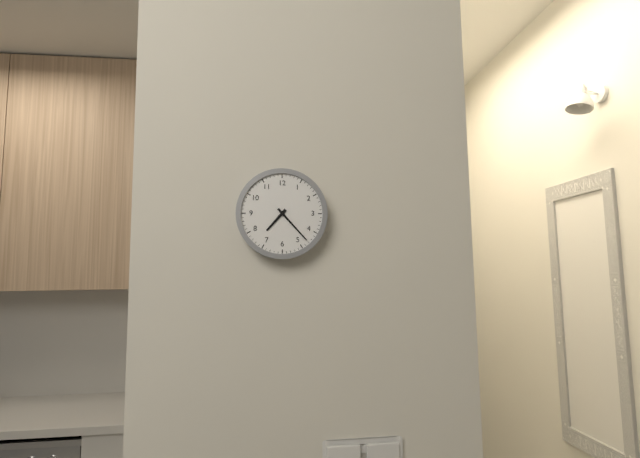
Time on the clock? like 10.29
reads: 7.23
